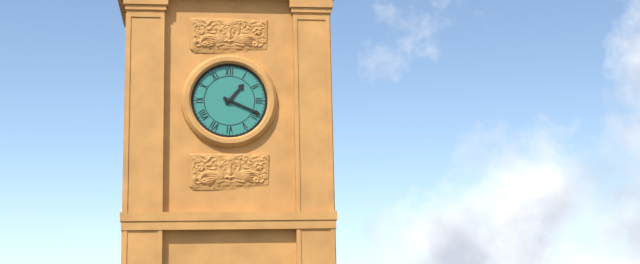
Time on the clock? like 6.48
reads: 1.19
